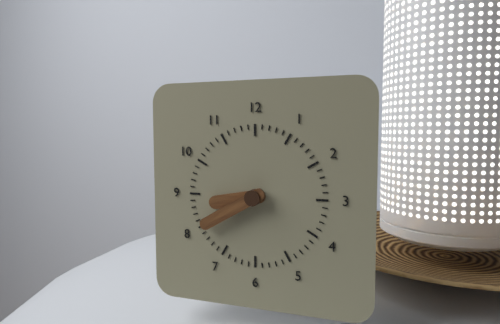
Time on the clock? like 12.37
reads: 8.40
